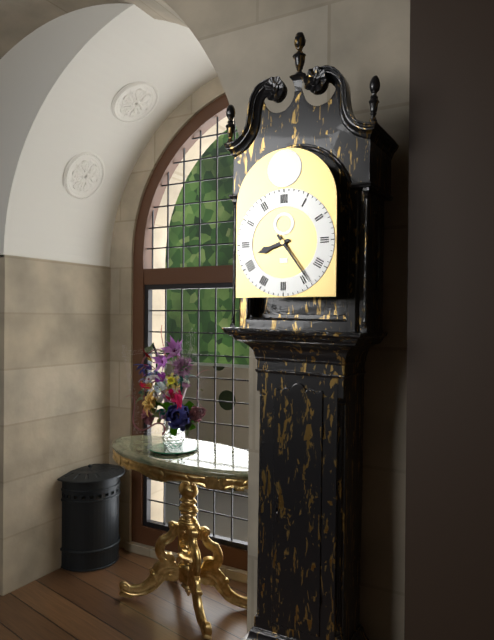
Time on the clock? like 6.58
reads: 8.24
